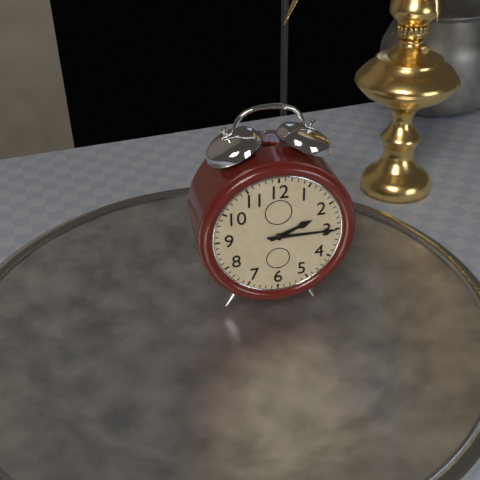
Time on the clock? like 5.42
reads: 2.15
